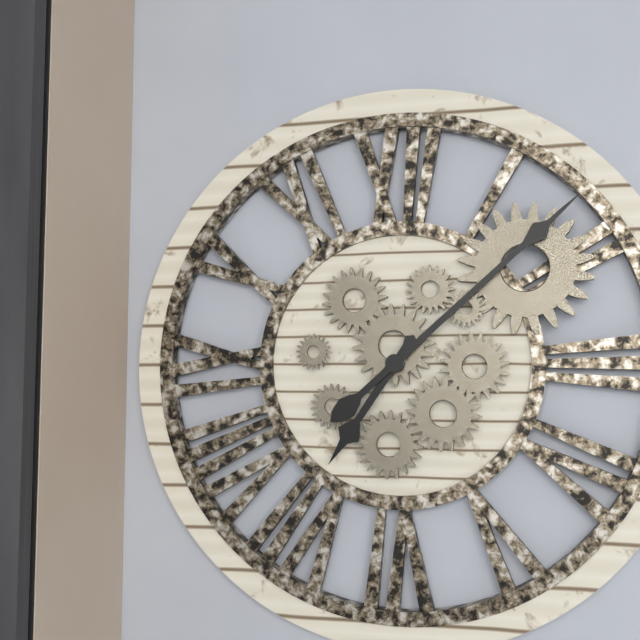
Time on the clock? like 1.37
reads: 7.08
